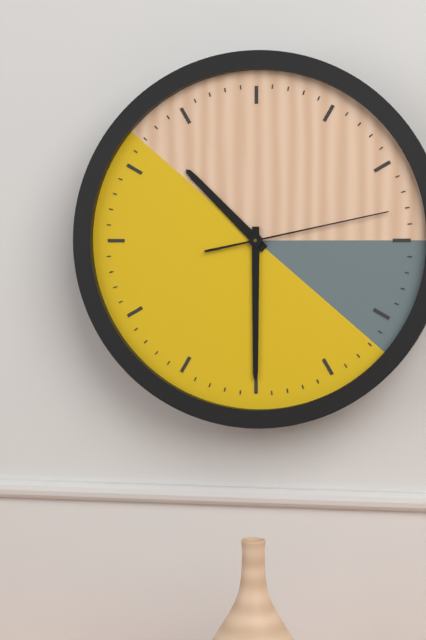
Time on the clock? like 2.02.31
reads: 10.30.13
